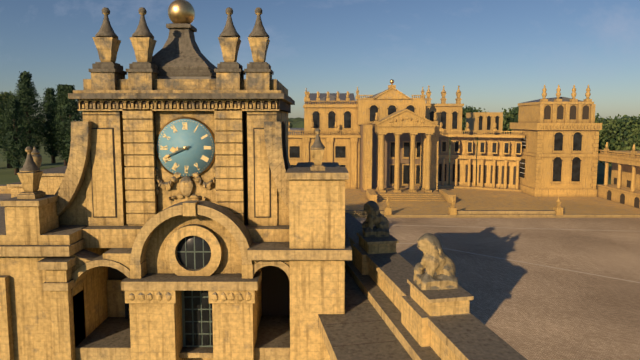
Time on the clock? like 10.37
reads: 8.41
